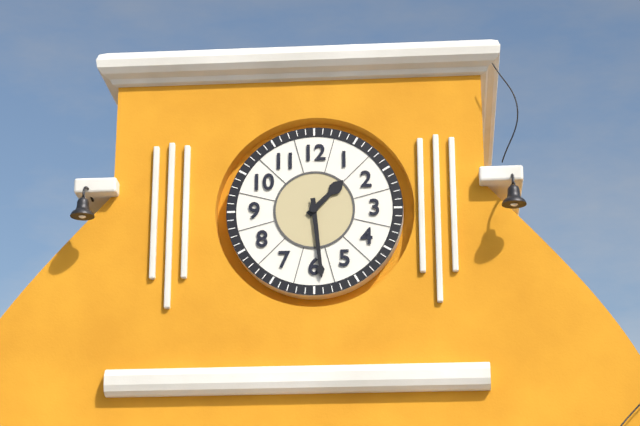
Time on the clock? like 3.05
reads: 1.29
